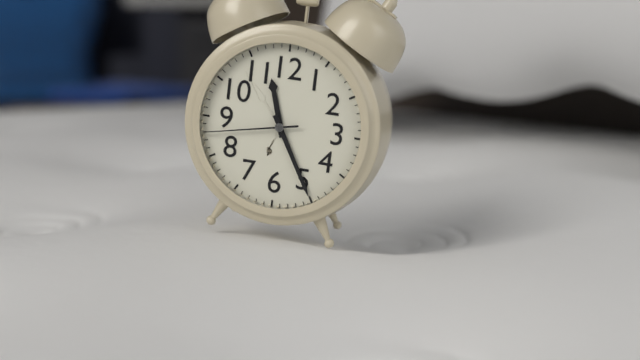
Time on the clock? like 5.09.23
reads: 11.25.43
